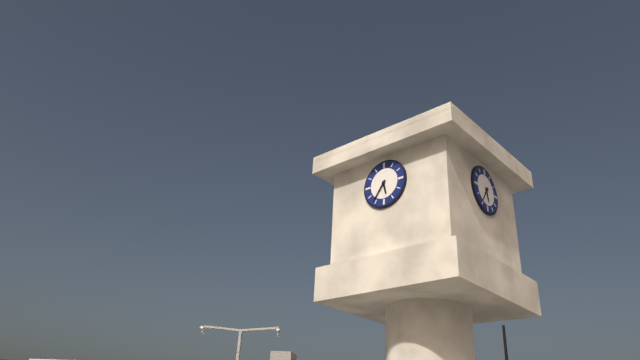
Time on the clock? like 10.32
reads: 5.36
